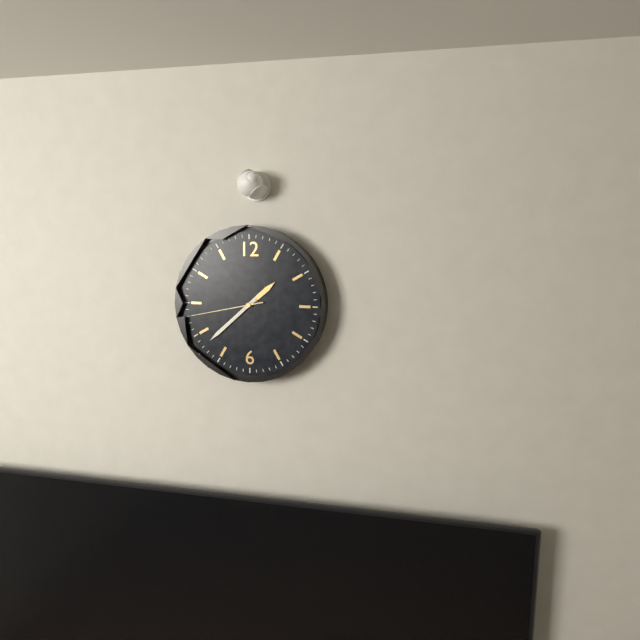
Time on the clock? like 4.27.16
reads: 1.38.43
